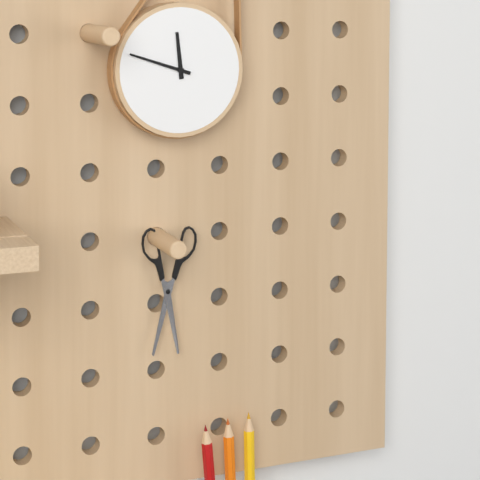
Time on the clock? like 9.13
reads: 11.48
